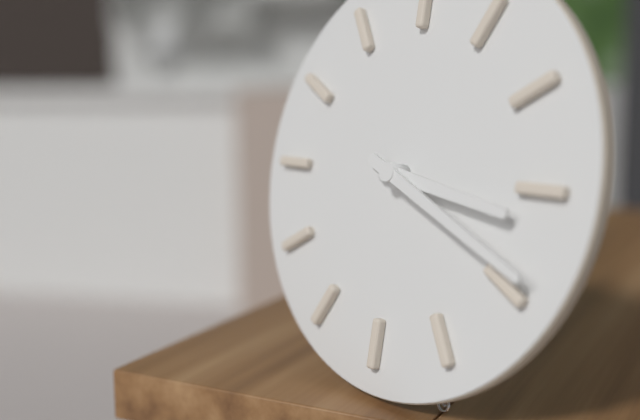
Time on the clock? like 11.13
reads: 3.19
